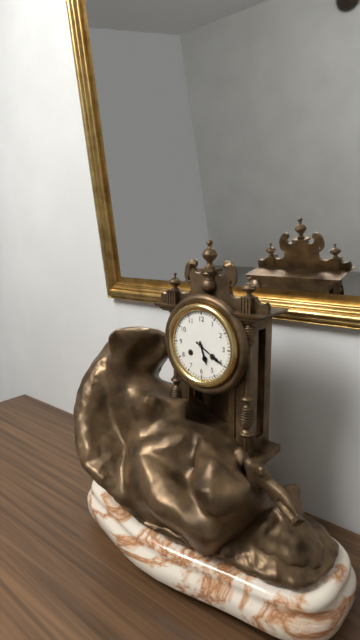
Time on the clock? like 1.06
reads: 5.20
